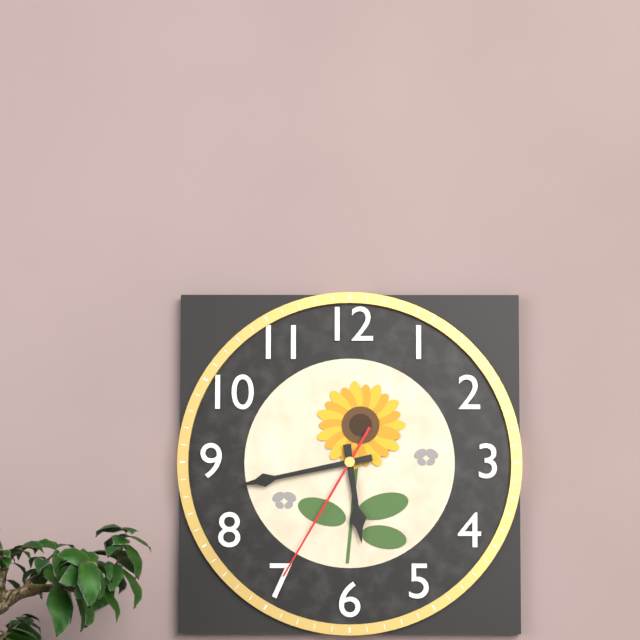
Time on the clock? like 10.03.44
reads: 5.43.35
